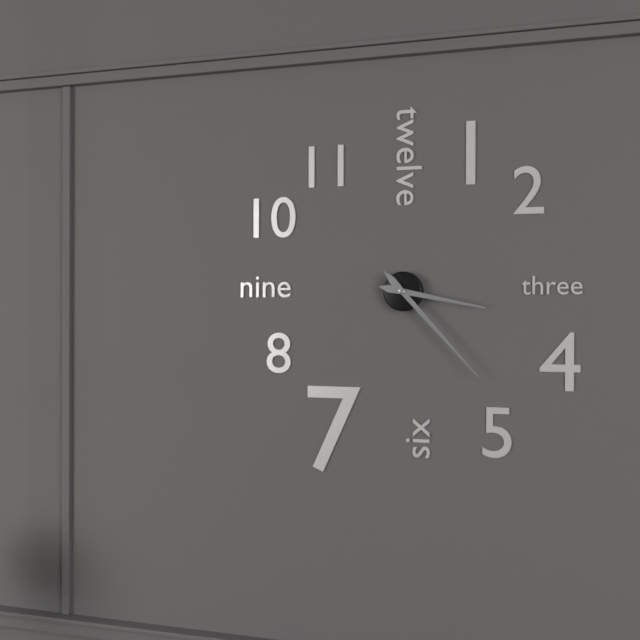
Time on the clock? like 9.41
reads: 3.23
